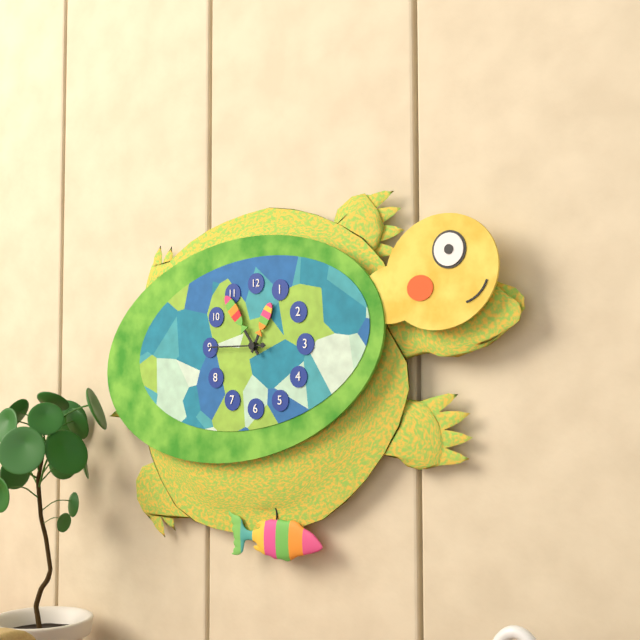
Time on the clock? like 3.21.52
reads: 12.54.45
